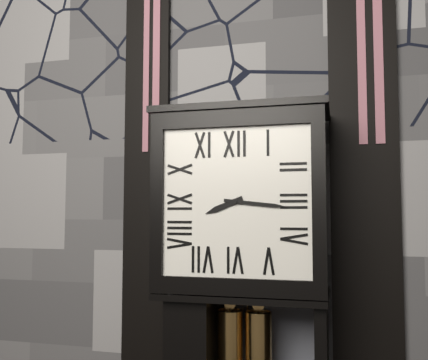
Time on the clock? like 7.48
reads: 8.16
